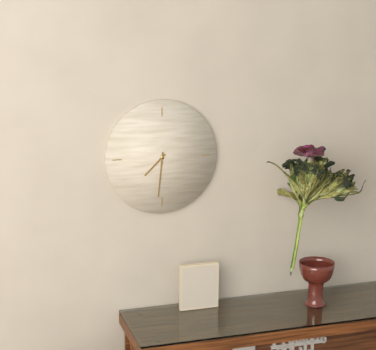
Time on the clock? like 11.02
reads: 7.31
